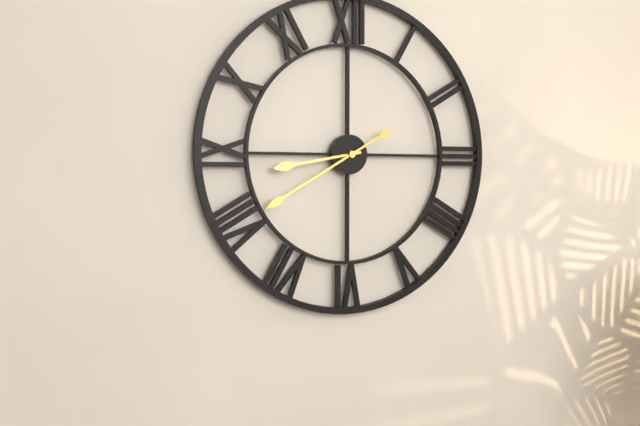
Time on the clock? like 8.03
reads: 8.40
